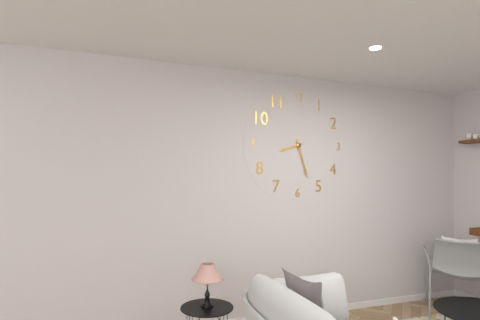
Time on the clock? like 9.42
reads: 8.27
